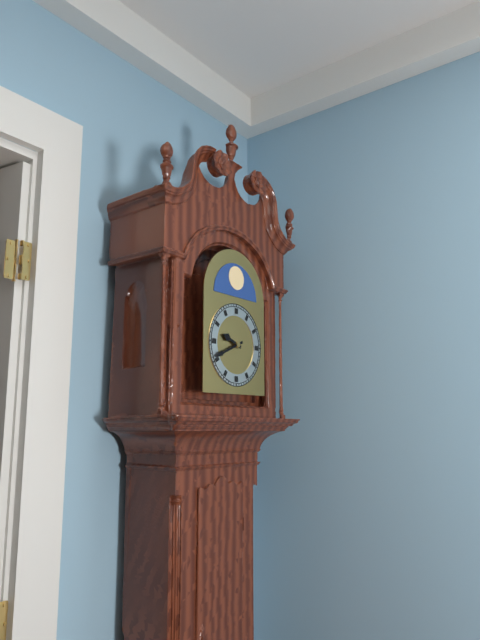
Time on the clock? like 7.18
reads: 9.41
